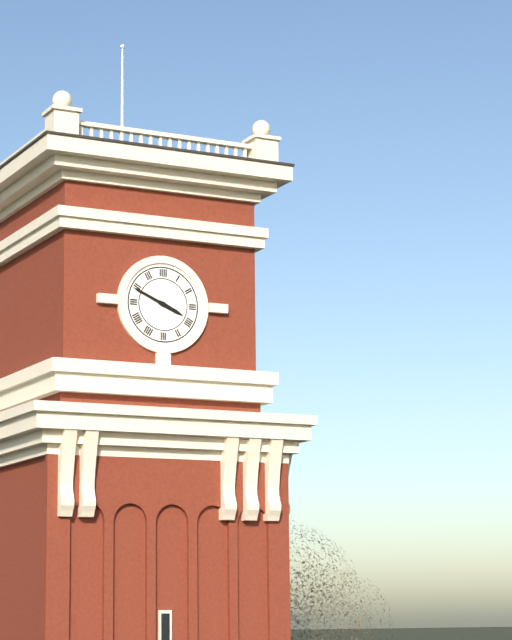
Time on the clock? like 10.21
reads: 3.49
